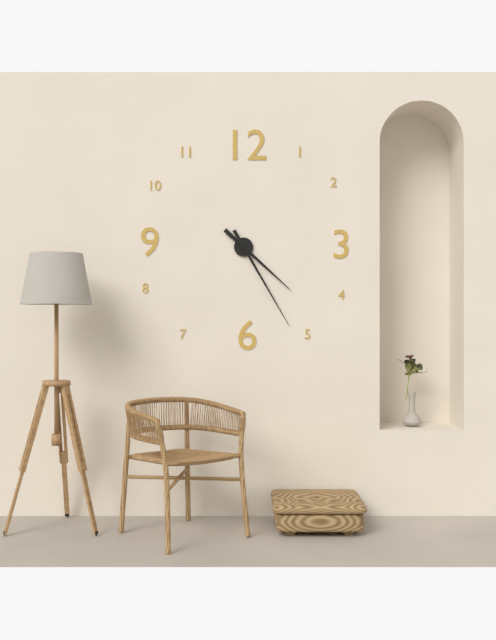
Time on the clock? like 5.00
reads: 4.25
